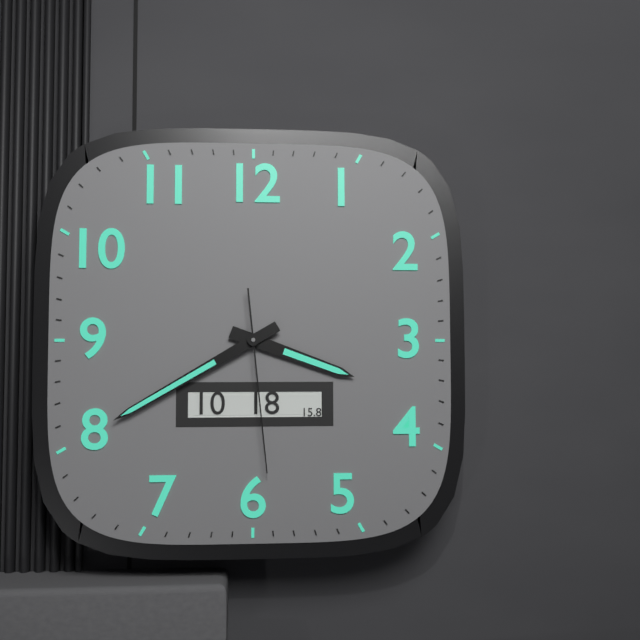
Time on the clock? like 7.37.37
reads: 3.40.29
